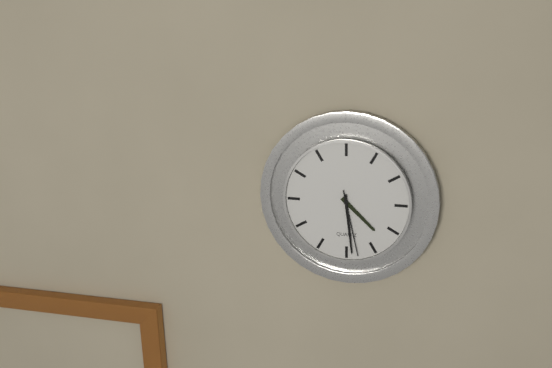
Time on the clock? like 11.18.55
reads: 4.29.28
